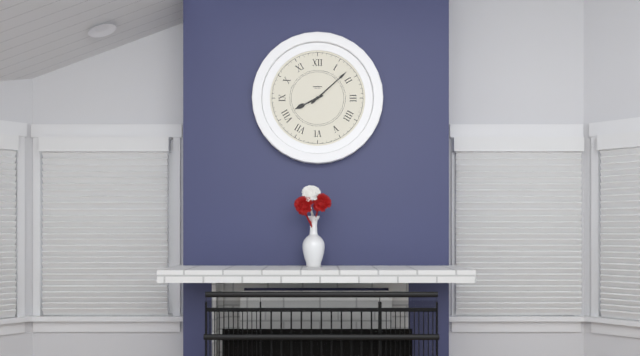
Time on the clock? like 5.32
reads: 8.08
